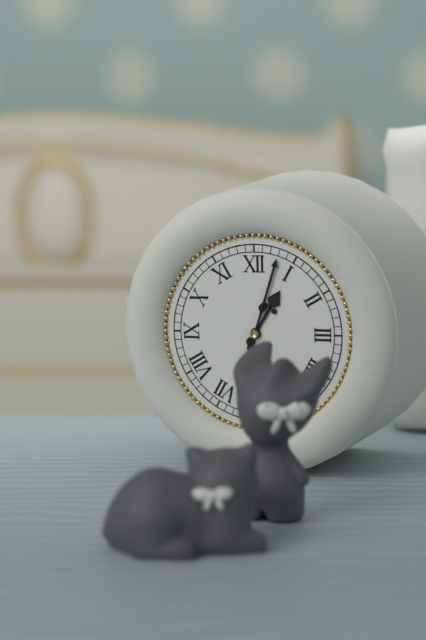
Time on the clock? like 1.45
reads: 1.03
